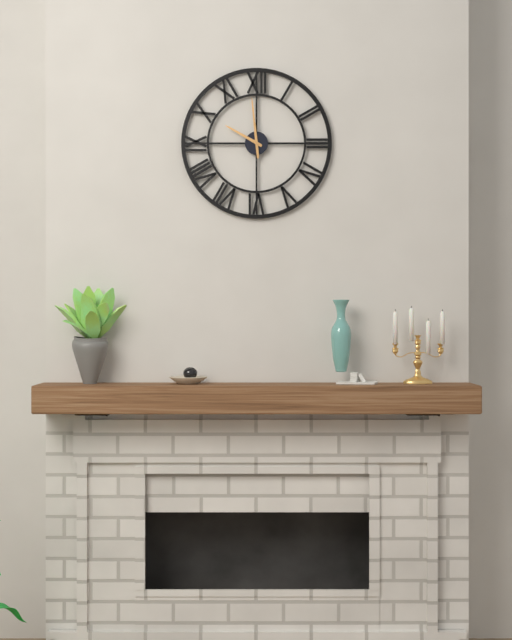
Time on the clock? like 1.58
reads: 9.59
